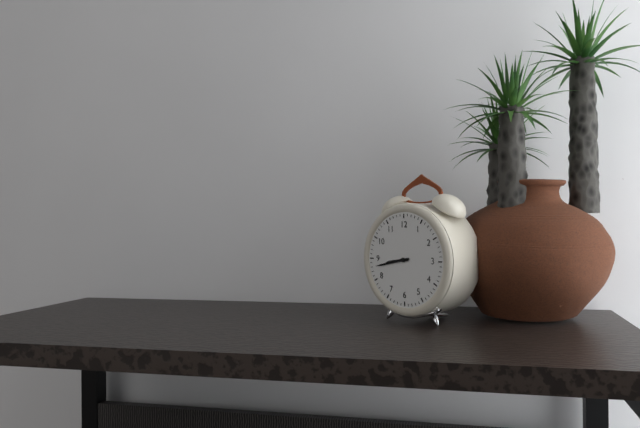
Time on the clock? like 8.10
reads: 8.43
